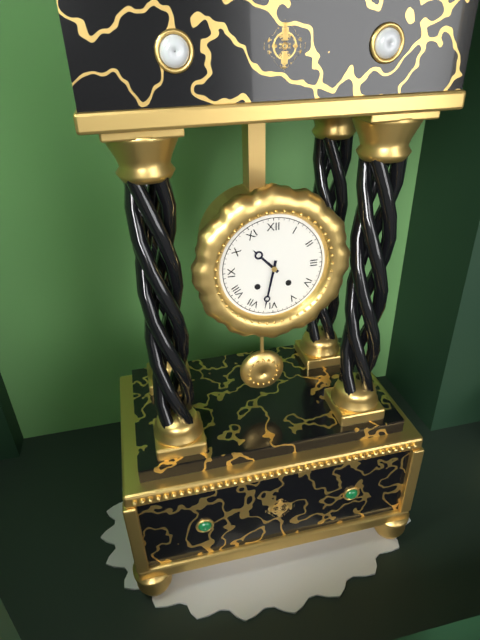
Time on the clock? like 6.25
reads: 10.32
